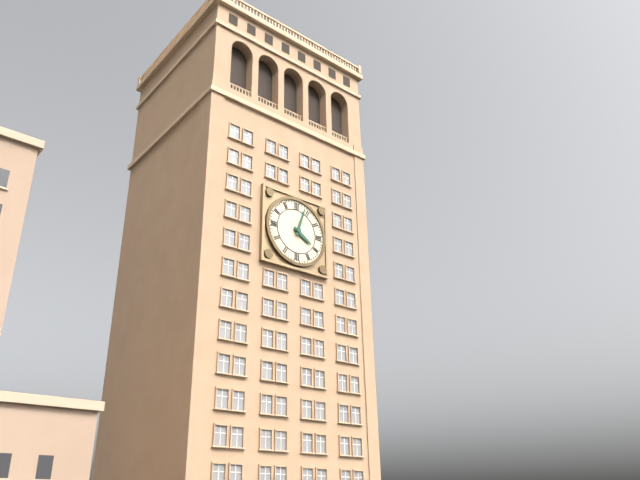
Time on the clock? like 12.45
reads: 4.03
